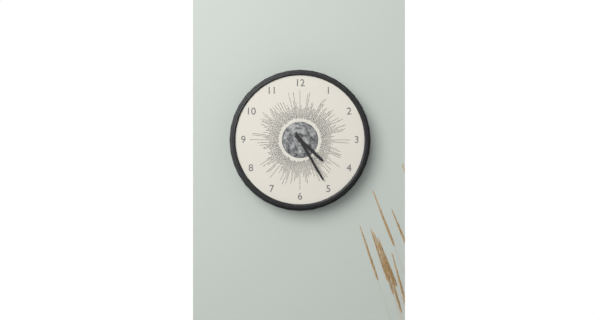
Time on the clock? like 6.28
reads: 4.25
